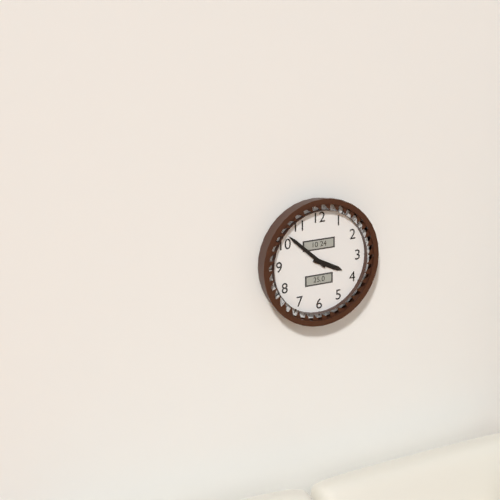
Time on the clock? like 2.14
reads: 3.52
